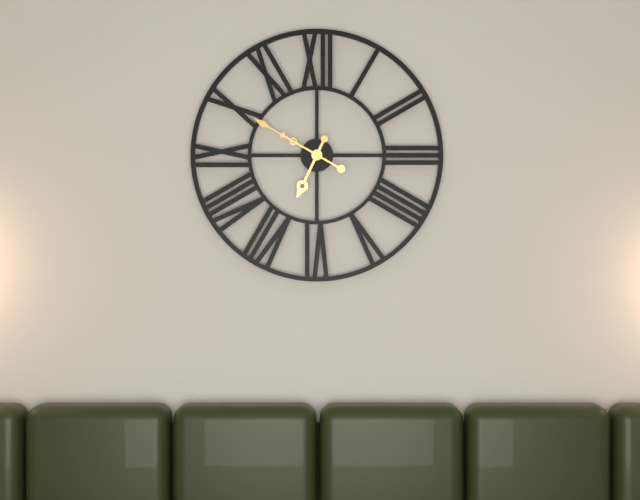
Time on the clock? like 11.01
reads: 6.50
